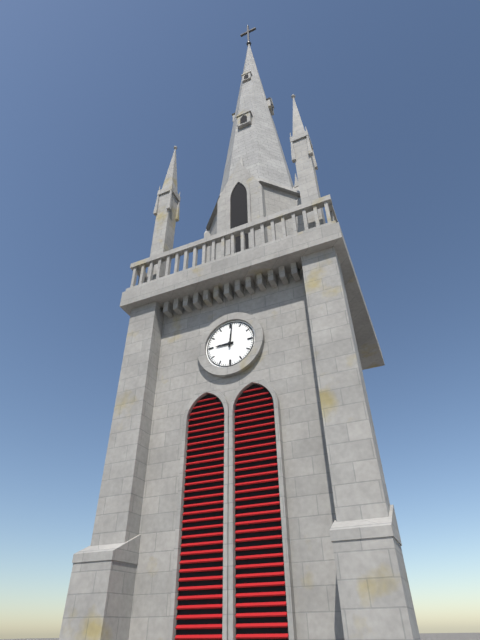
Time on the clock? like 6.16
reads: 9.01
